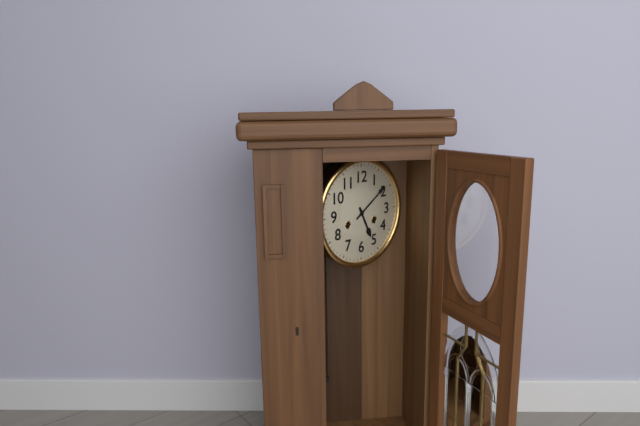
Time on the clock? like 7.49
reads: 5.09
